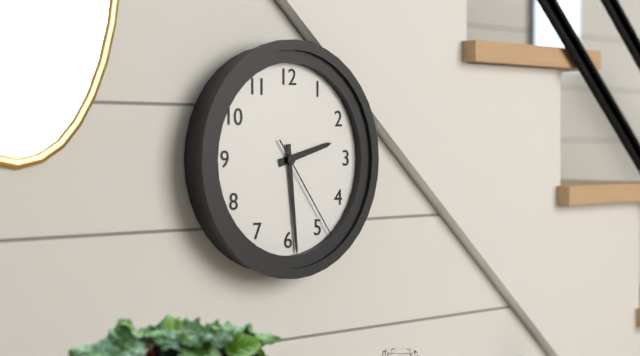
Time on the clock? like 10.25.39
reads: 2.29.24
